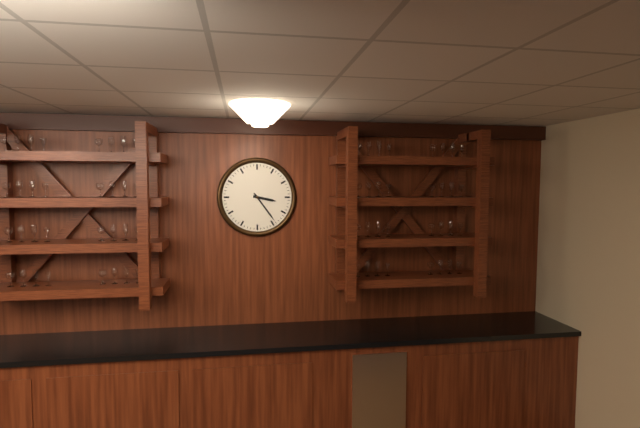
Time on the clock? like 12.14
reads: 3.24
